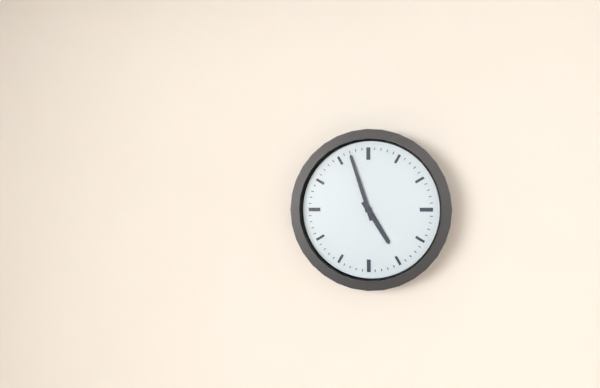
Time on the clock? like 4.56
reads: 4.57
